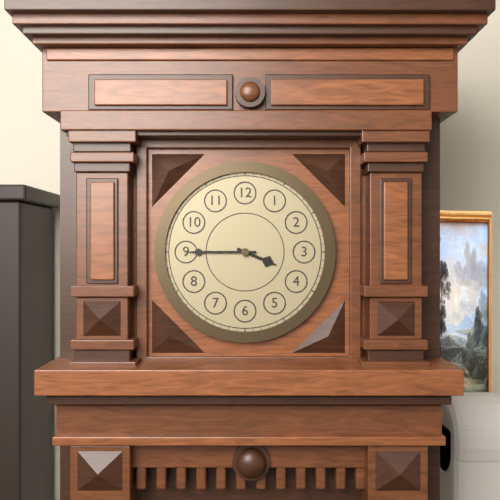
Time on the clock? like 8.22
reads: 3.45
